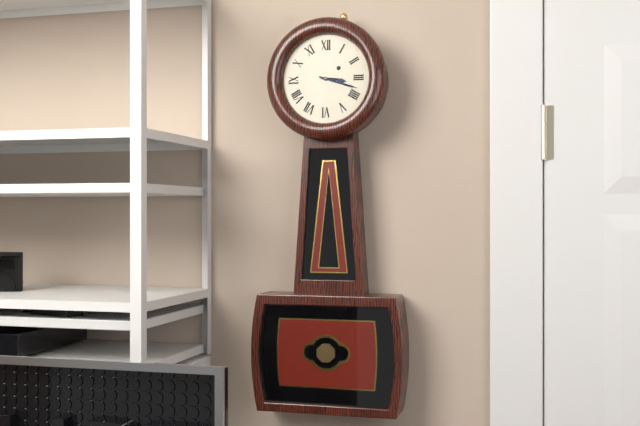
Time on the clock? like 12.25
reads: 3.18
